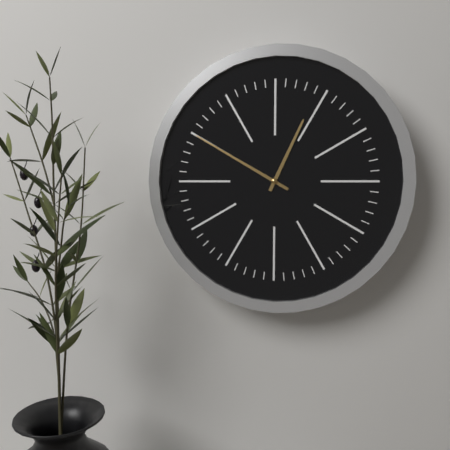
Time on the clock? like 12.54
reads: 12.50
